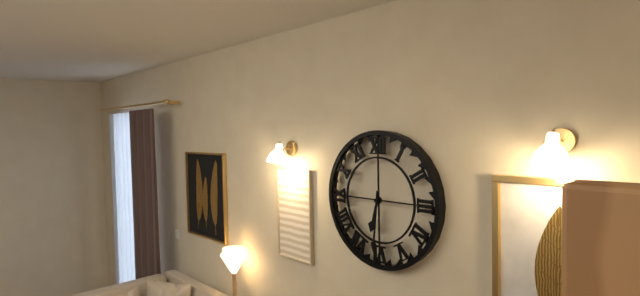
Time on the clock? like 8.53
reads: 6.31
